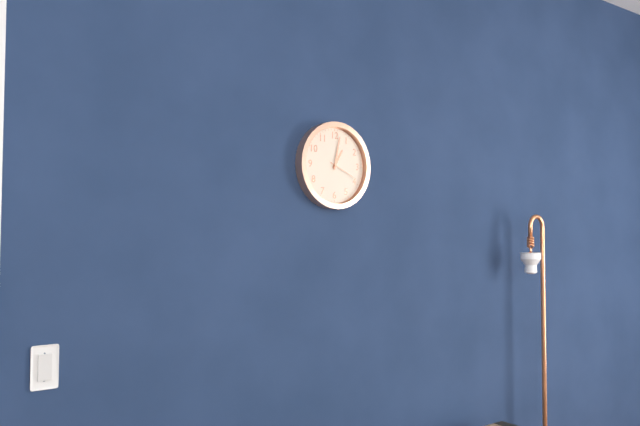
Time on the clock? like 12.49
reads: 1.02
